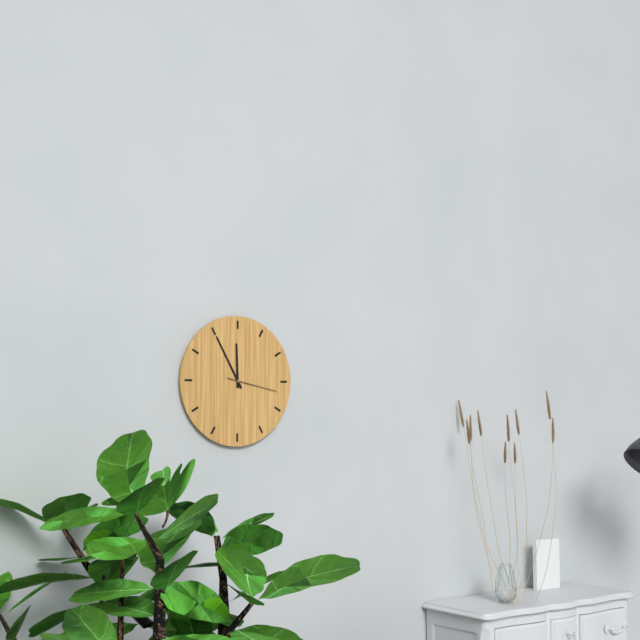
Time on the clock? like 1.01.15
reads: 11.55.17
